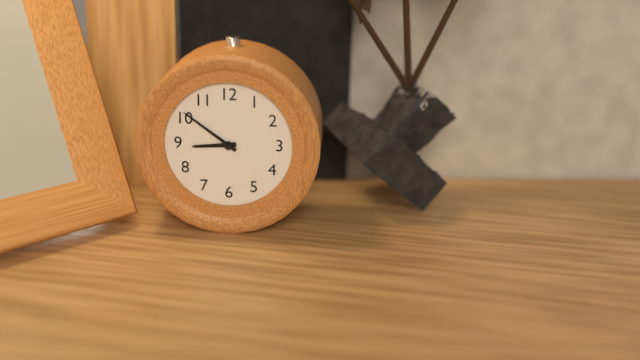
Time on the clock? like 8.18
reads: 8.51
